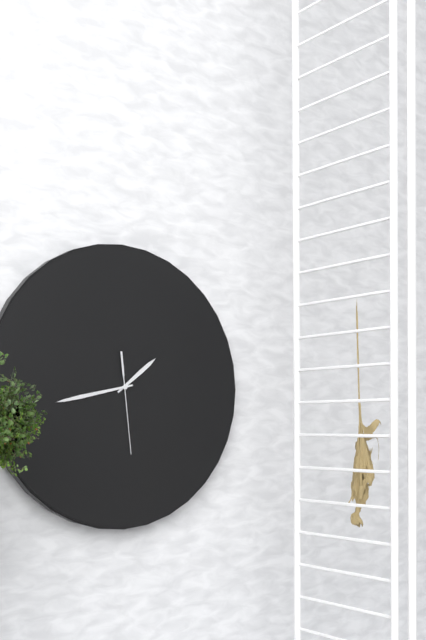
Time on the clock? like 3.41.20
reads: 1.43.29
